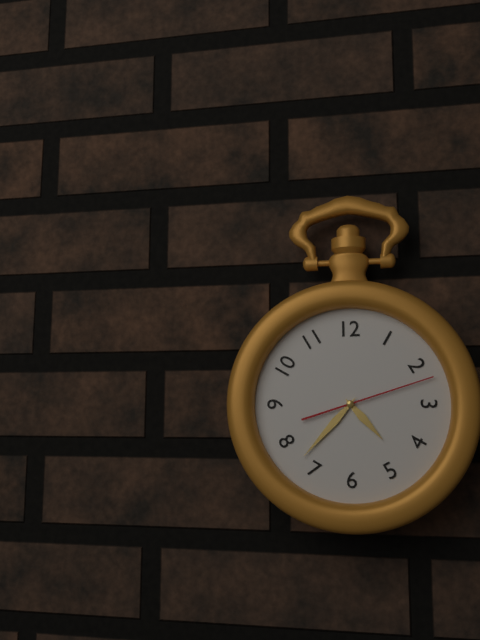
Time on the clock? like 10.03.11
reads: 4.37.12
